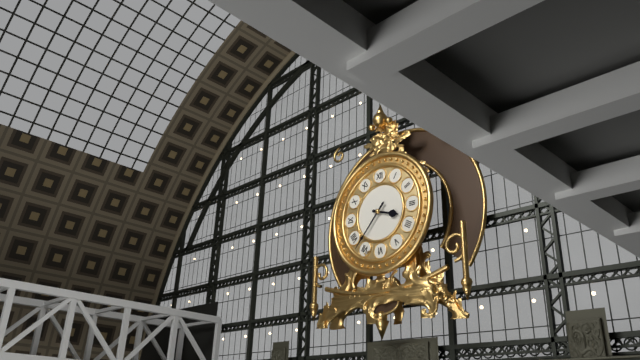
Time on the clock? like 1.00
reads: 3.37
